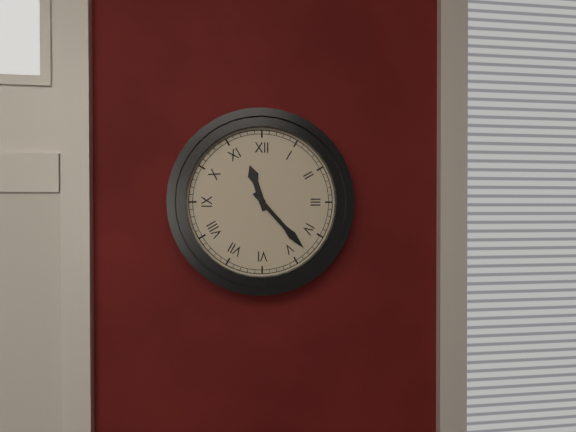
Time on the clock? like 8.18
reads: 11.23
